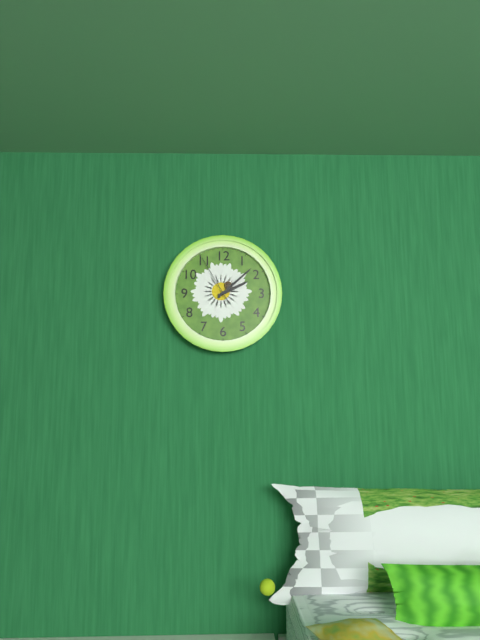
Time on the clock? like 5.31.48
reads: 2.08.55
